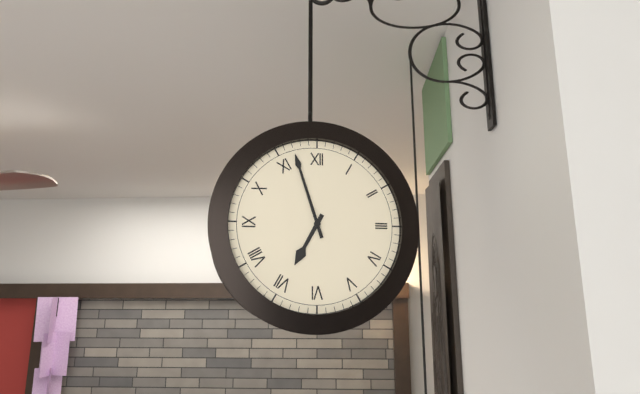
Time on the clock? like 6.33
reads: 6.57
